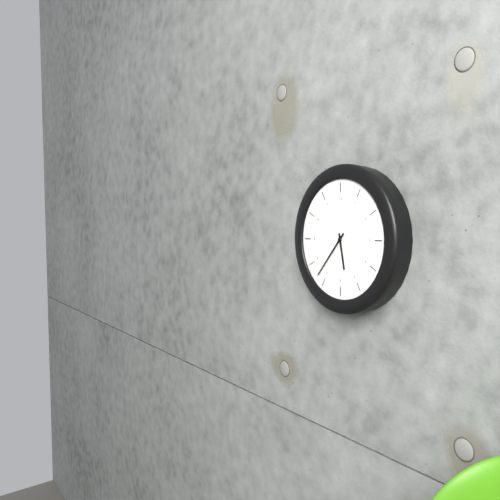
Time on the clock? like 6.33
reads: 5.37
